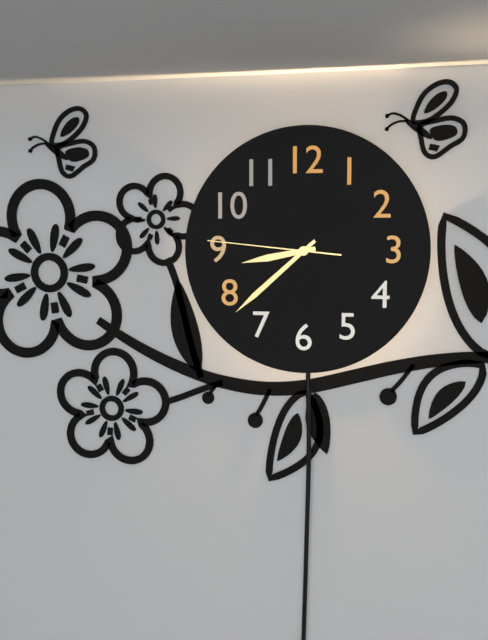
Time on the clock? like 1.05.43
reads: 8.38.46
